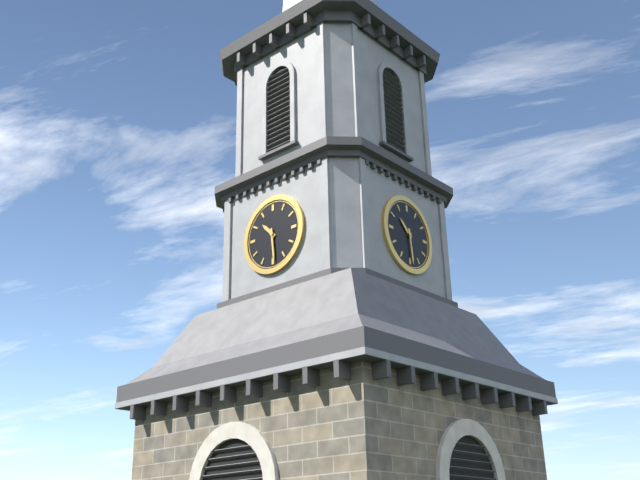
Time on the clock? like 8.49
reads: 10.29
